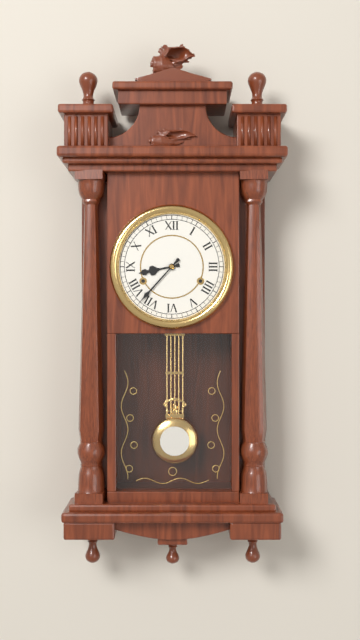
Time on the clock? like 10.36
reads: 8.37
